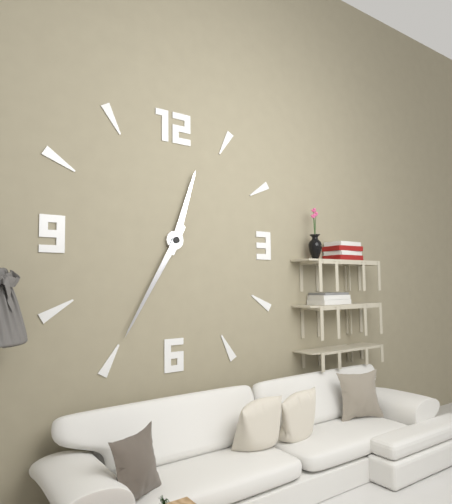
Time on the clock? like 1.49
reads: 12.35
